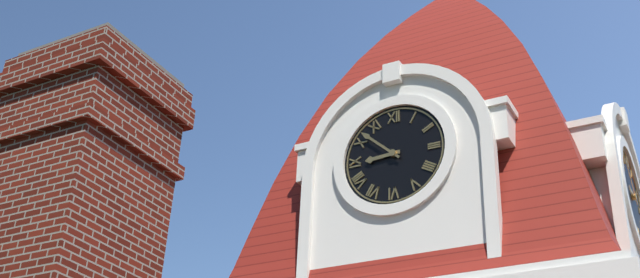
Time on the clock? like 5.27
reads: 8.52
